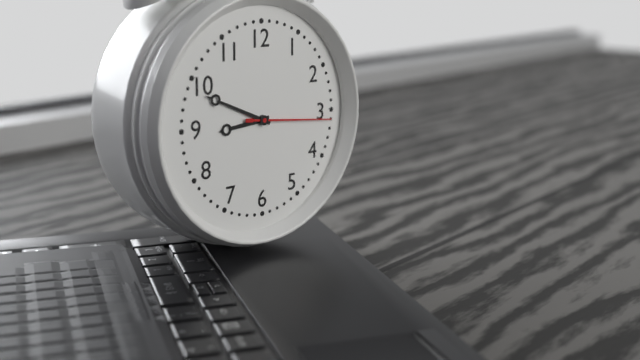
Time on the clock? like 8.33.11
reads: 8.49.16
